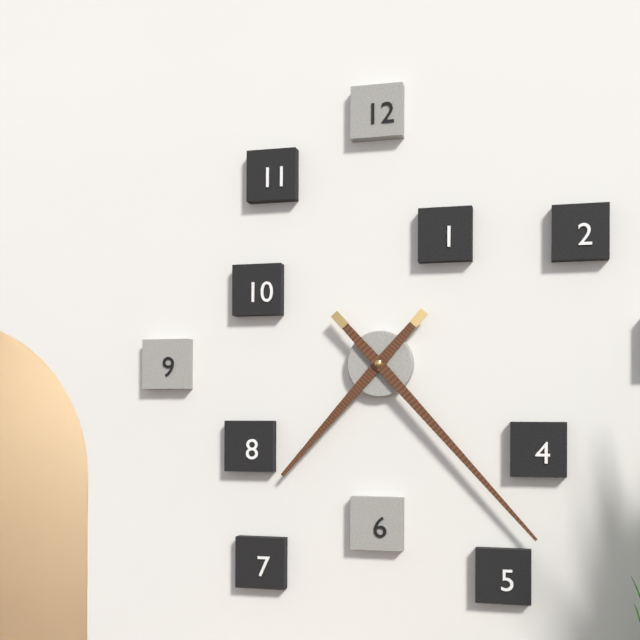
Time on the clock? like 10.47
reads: 7.23
